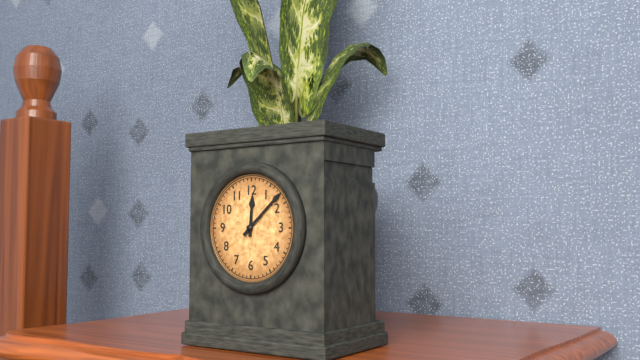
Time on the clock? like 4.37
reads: 12.08
